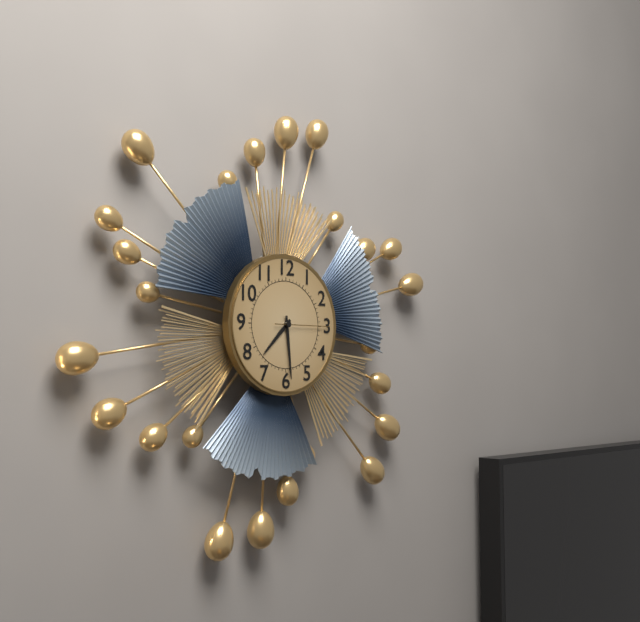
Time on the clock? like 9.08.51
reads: 7.29.15
